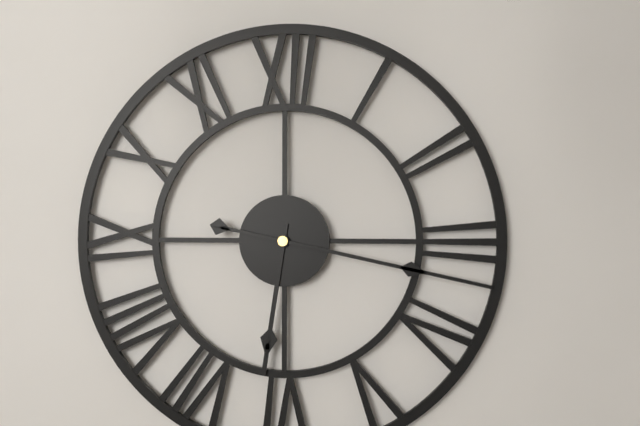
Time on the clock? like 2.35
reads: 6.17
